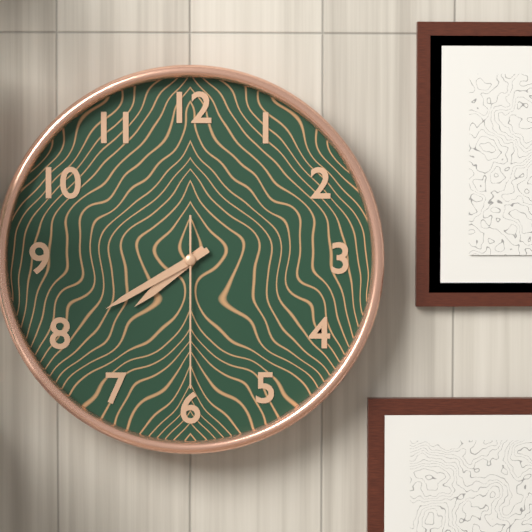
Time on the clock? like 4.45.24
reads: 7.40.30
